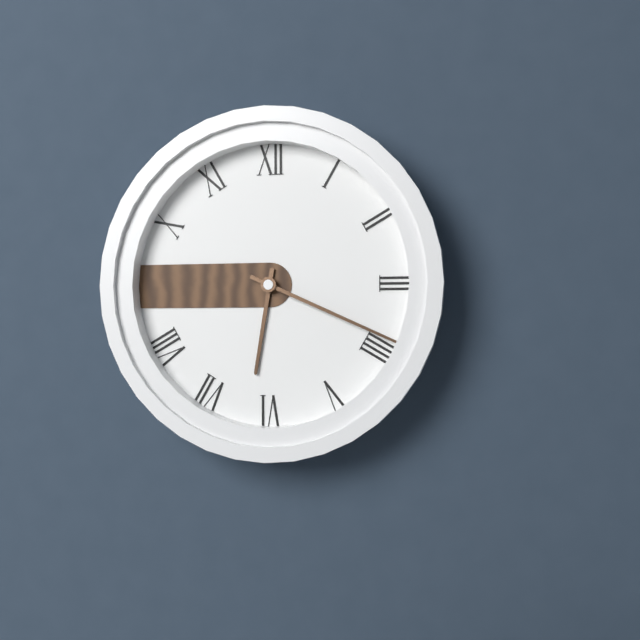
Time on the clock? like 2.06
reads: 6.19
